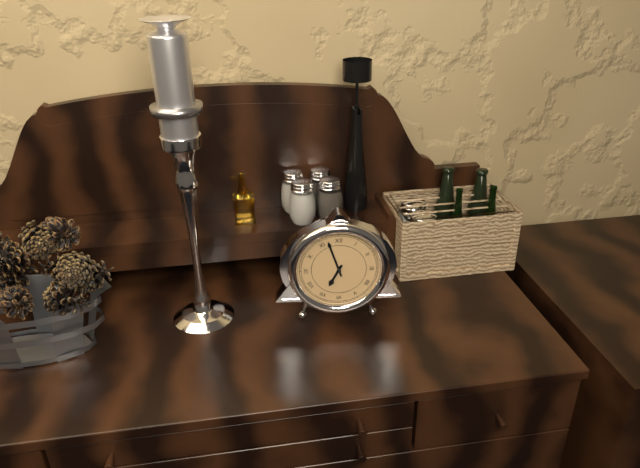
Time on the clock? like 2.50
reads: 6.57
